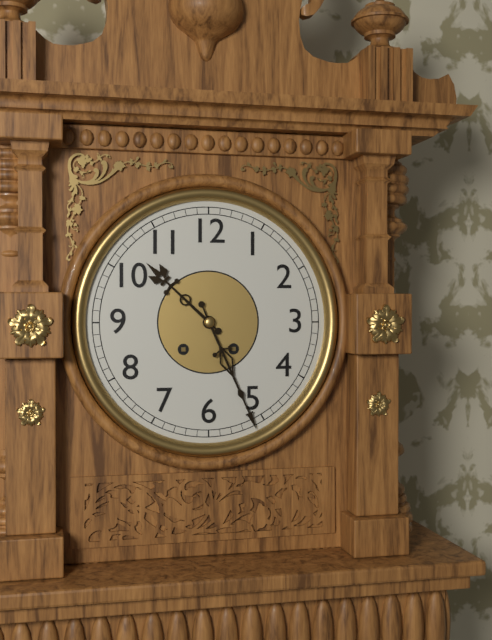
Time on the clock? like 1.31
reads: 10.26
